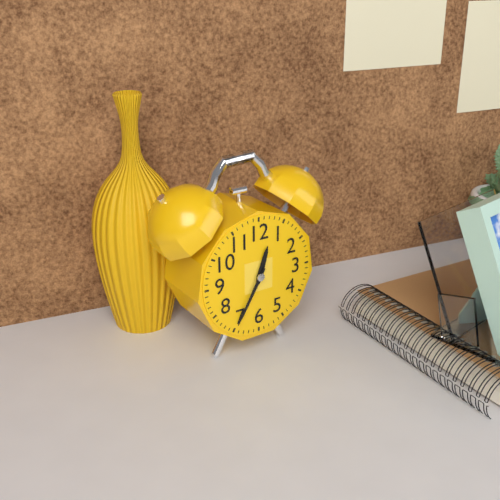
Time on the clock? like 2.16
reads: 12.35
